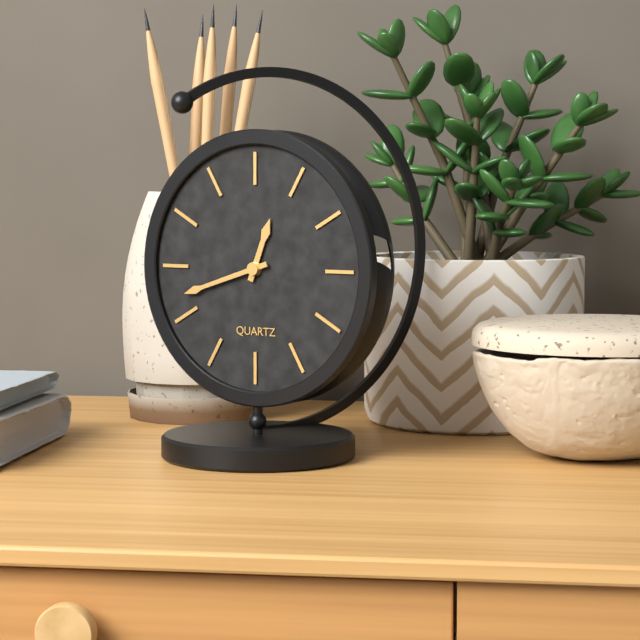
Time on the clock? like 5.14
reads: 12.42
